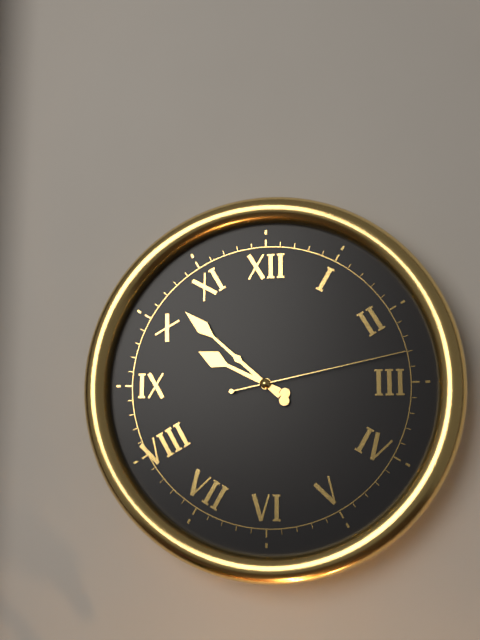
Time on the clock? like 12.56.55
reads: 9.52.13
